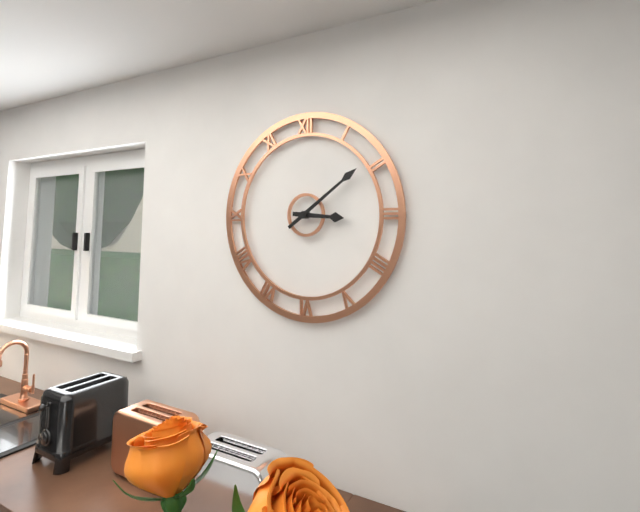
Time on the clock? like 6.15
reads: 3.09
